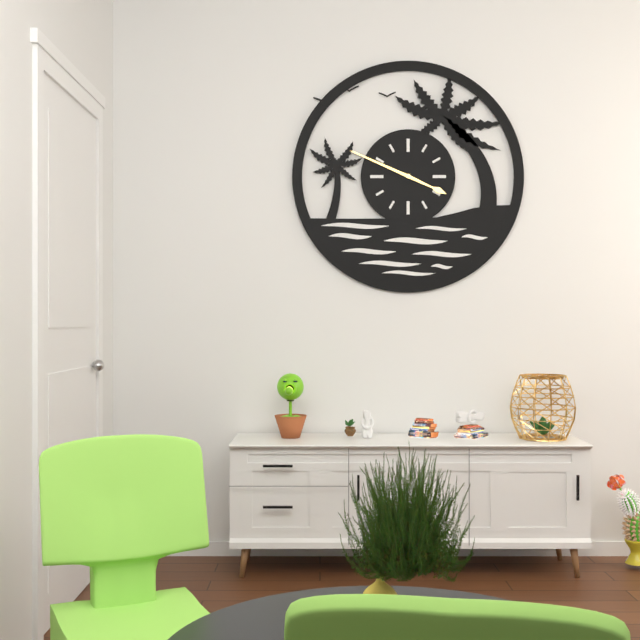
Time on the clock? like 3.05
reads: 3.49
